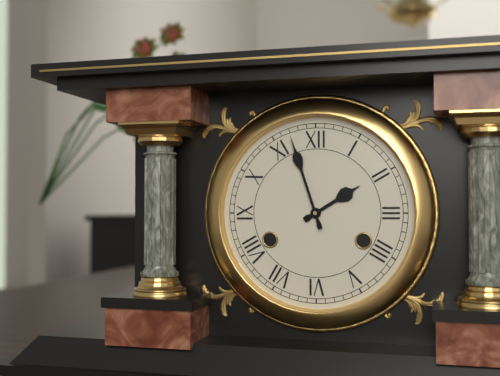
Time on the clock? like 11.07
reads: 1.57
